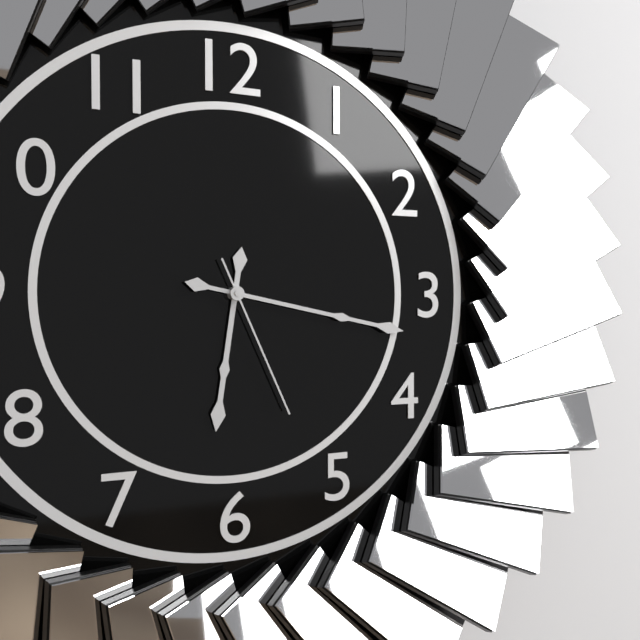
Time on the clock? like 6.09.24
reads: 6.17.26
